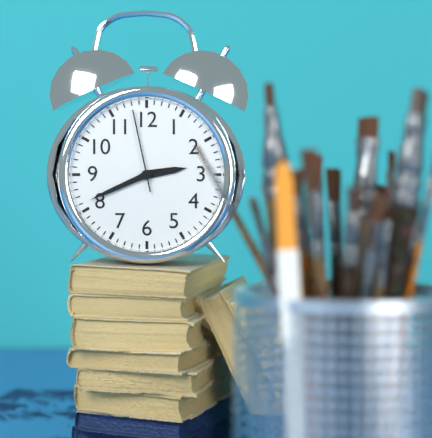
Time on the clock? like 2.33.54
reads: 2.41.58
